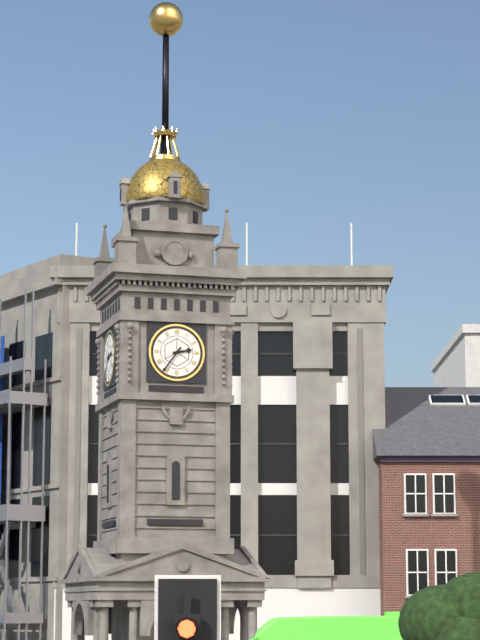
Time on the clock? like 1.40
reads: 2.36
